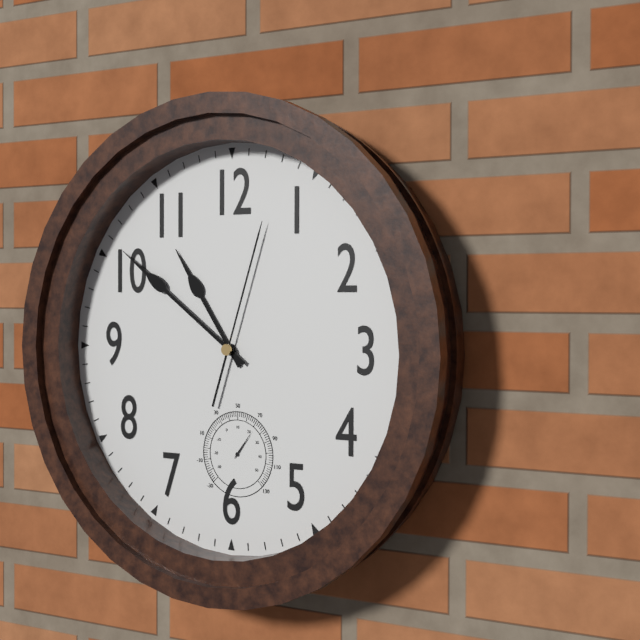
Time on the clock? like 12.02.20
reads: 10.51.03
